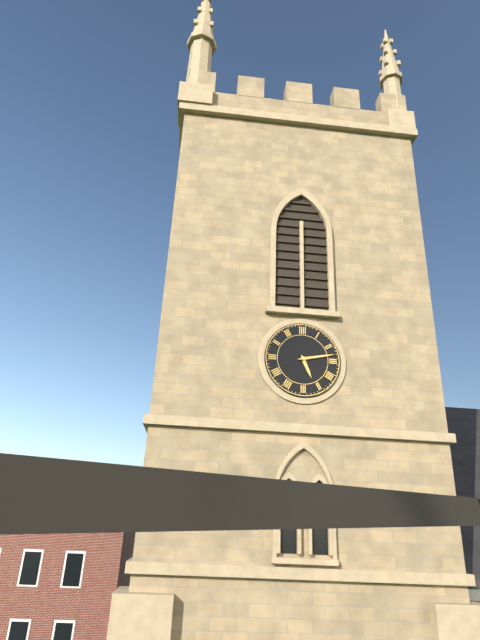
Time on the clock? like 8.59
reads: 5.13
